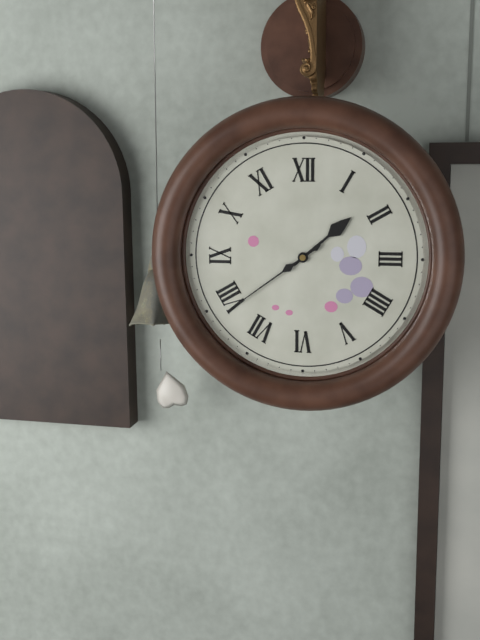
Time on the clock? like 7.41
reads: 1.39
